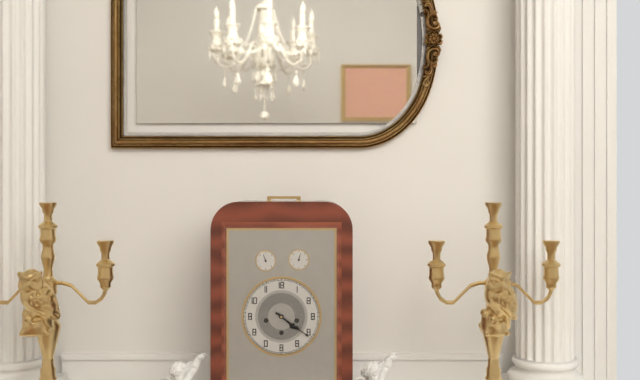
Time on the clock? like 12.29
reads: 4.21
